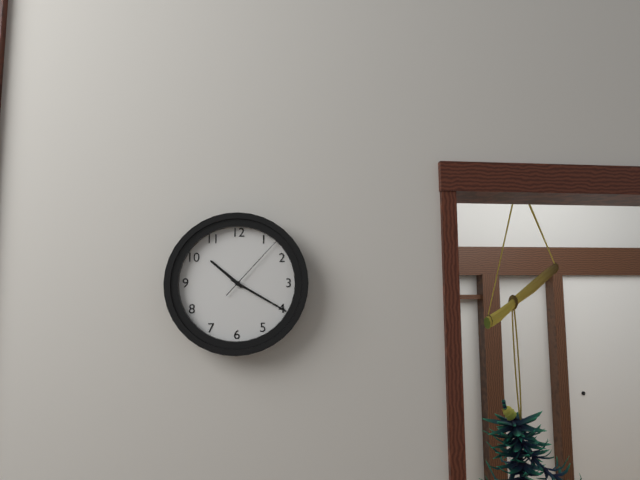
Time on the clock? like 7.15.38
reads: 10.20.07
